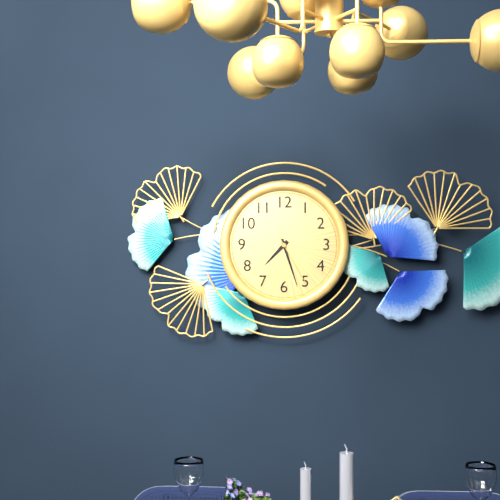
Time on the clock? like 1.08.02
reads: 7.27.25
